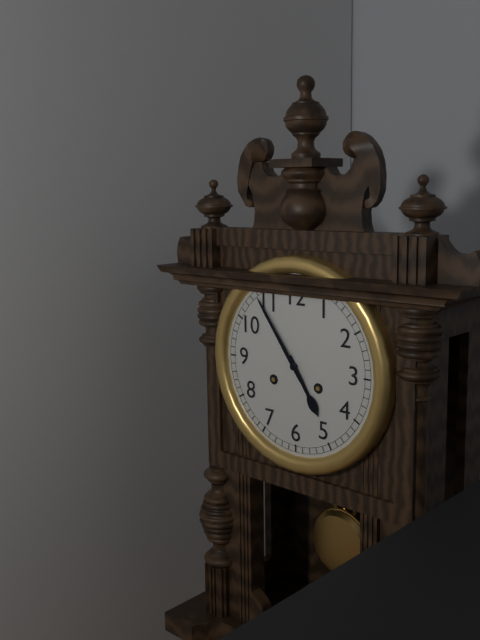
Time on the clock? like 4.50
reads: 4.54
